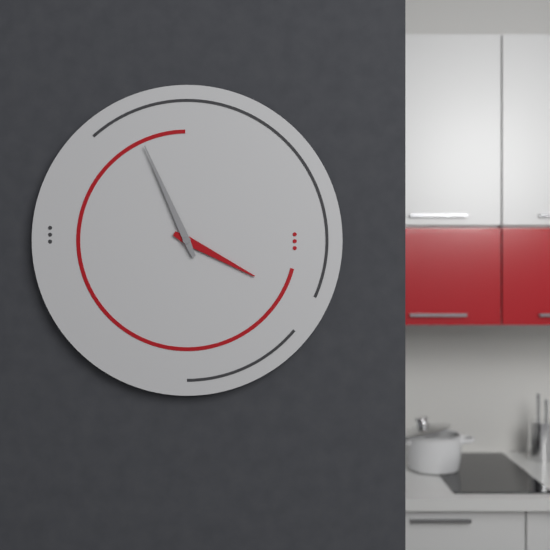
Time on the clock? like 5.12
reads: 3.56
